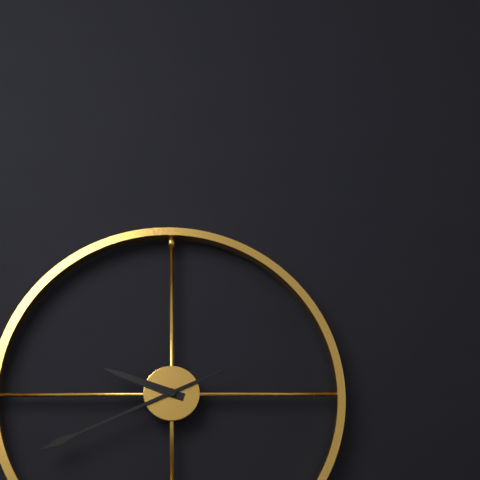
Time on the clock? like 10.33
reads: 9.41
